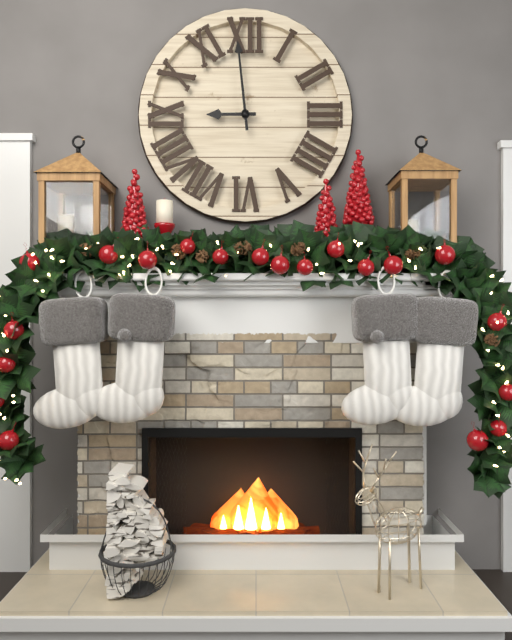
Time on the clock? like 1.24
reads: 8.59
